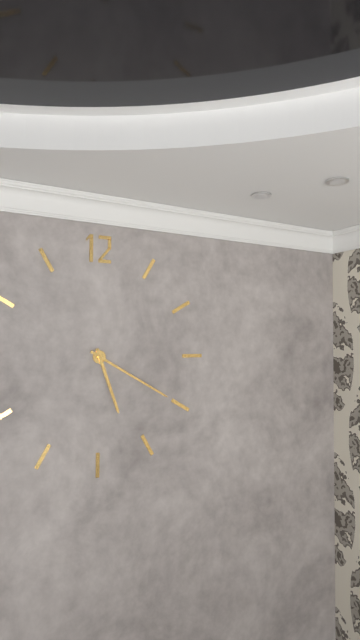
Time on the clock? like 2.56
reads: 5.20
